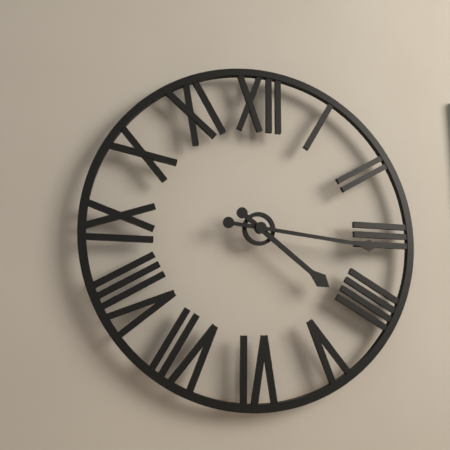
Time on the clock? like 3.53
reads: 4.16
